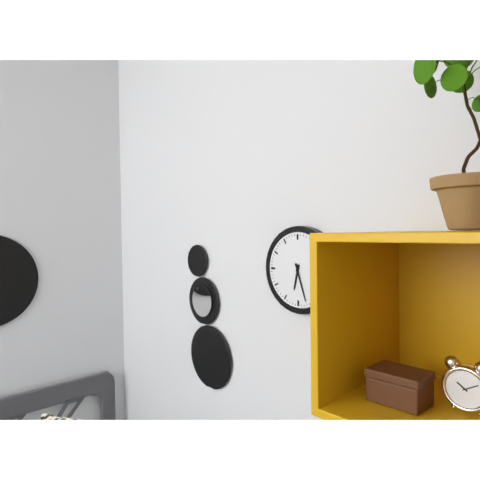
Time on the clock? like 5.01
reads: 6.27
